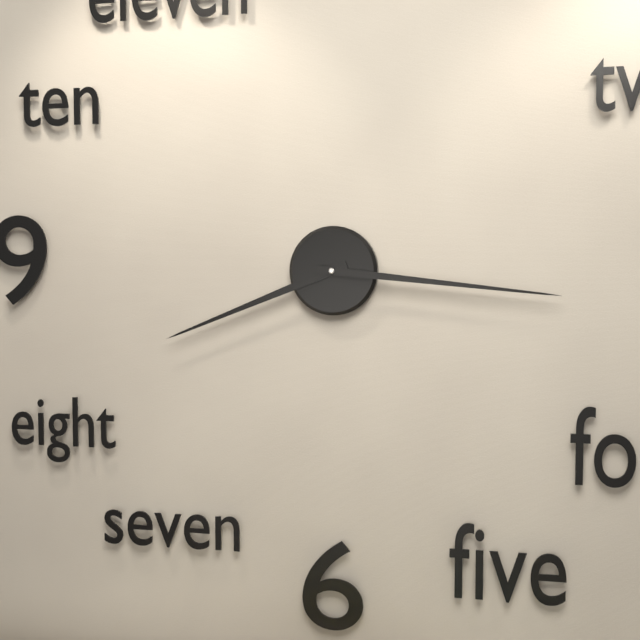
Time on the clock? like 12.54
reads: 8.16
